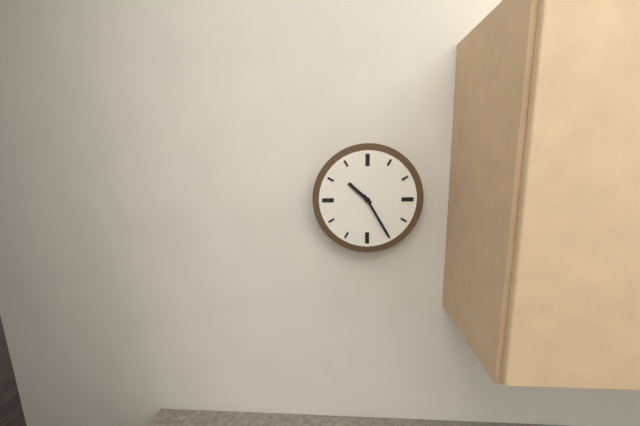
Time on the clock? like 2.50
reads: 10.25
